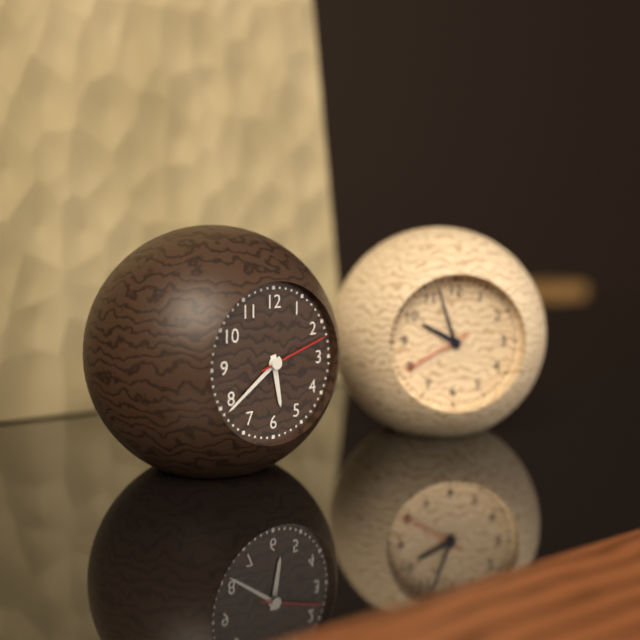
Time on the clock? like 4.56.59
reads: 5.39.12
